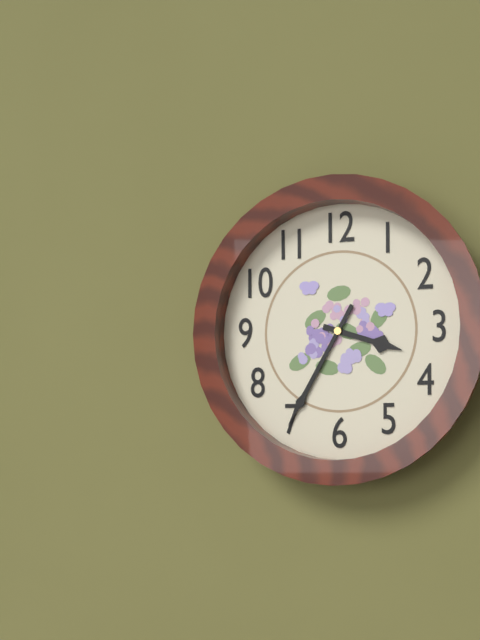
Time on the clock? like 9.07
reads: 3.35
